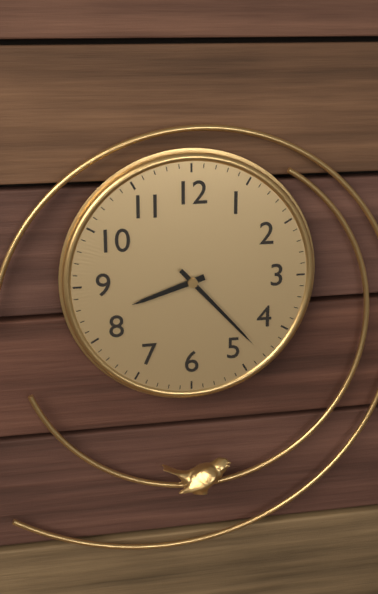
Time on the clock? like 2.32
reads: 8.23
